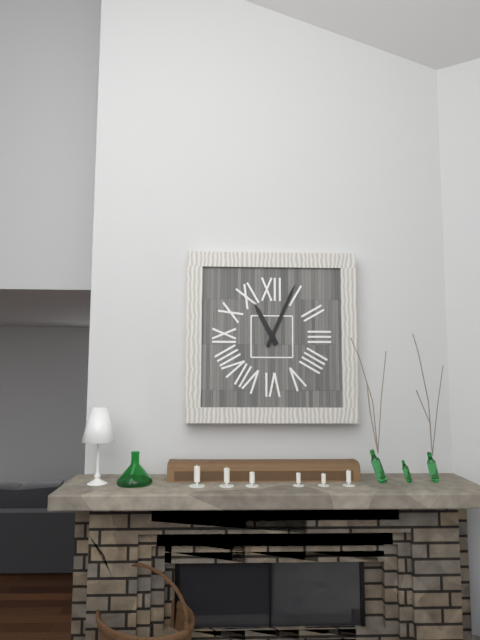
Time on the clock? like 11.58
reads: 11.04
